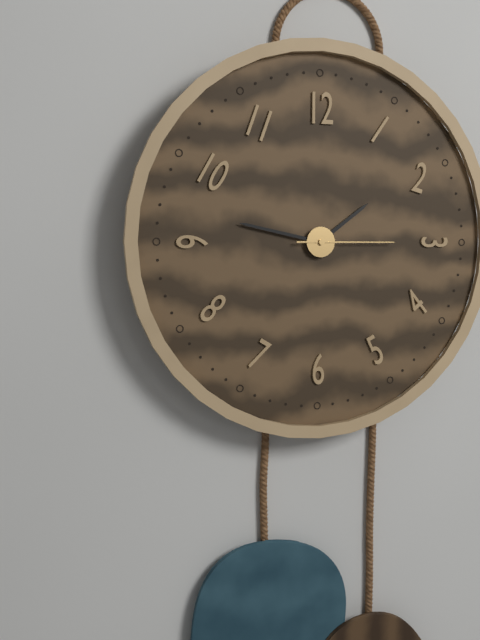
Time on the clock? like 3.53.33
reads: 1.47.15
